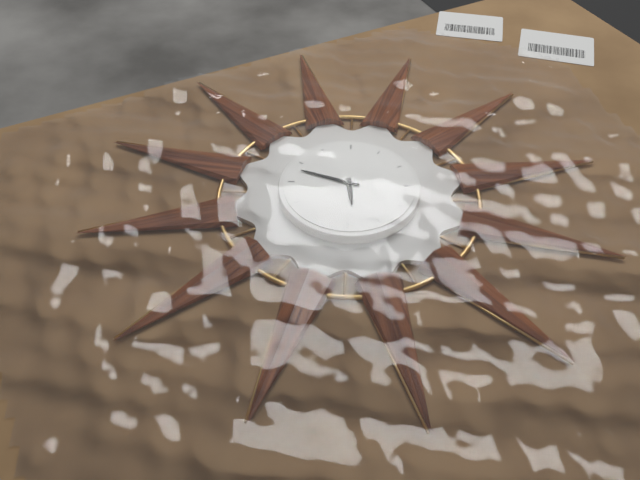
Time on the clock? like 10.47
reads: 5.48
